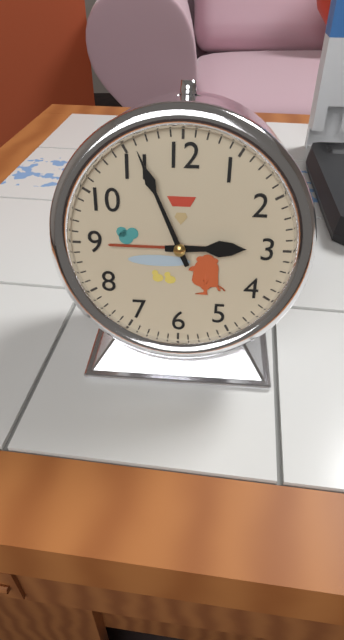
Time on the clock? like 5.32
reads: 2.56
